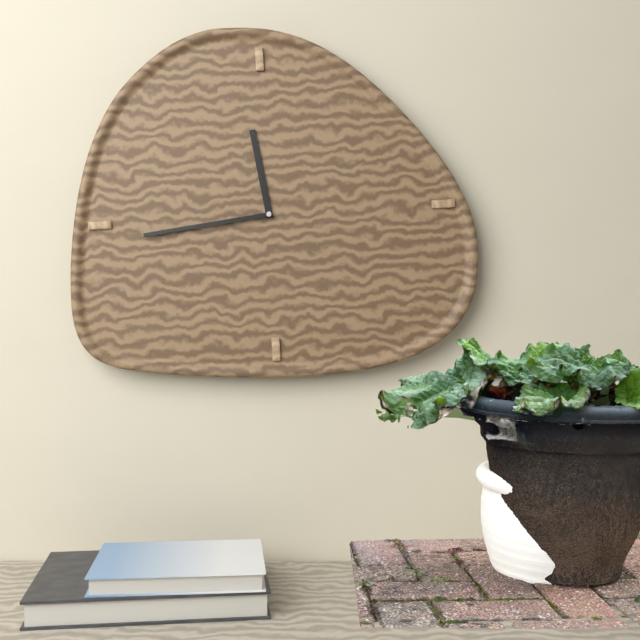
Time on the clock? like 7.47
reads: 11.44
